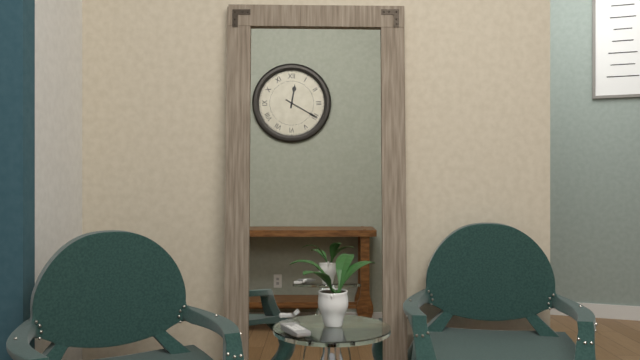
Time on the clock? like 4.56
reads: 12.20
